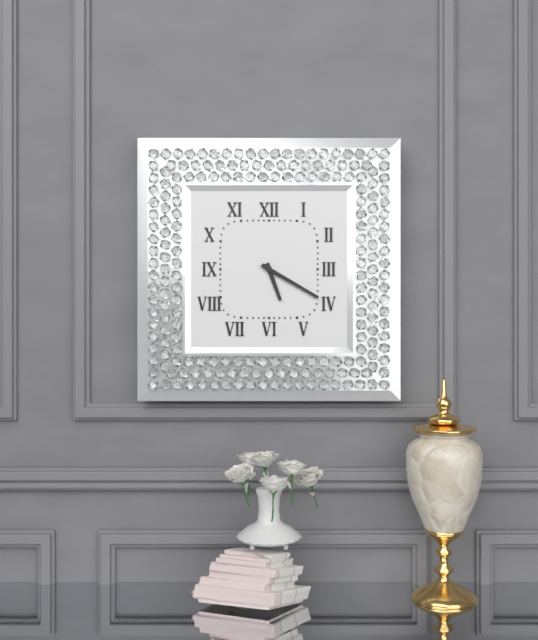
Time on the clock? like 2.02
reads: 5.20
